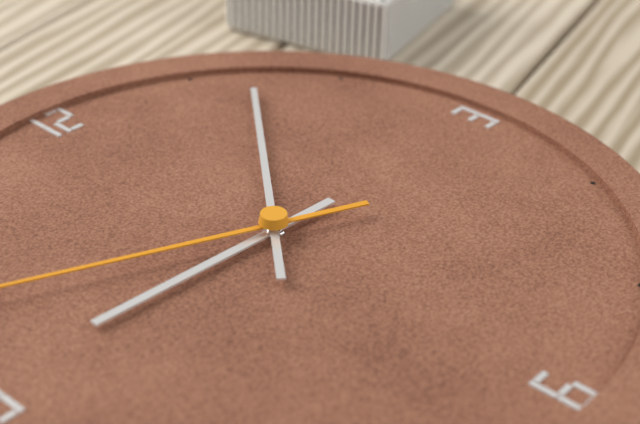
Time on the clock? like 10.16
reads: 9.07
